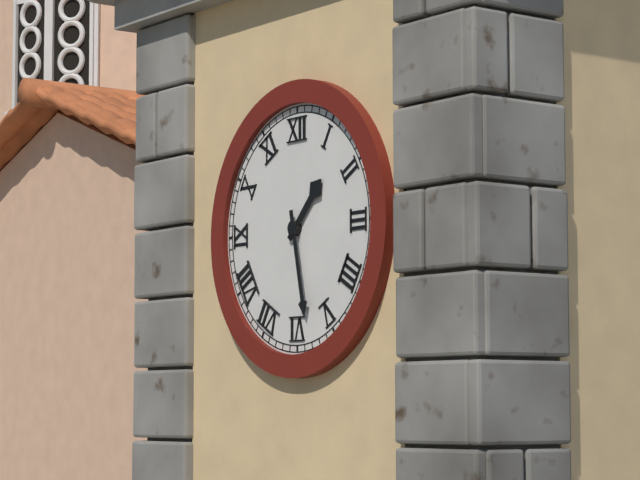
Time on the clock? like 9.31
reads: 1.28
